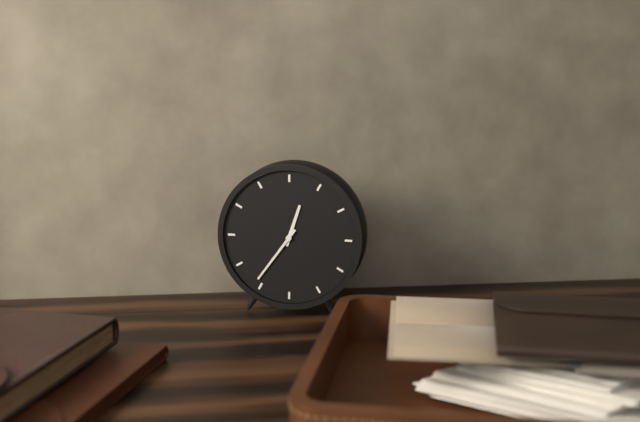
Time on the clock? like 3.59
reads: 12.36
